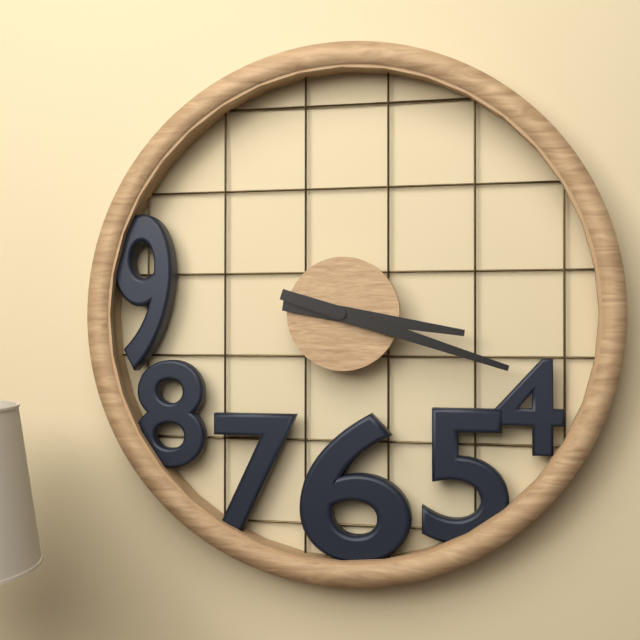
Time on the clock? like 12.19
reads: 3.18
